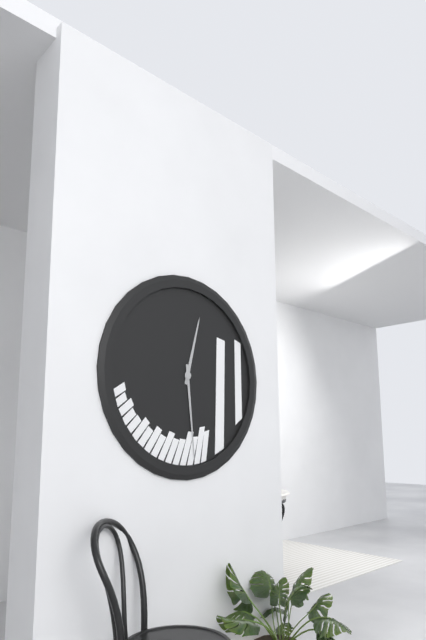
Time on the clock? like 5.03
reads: 12.29
